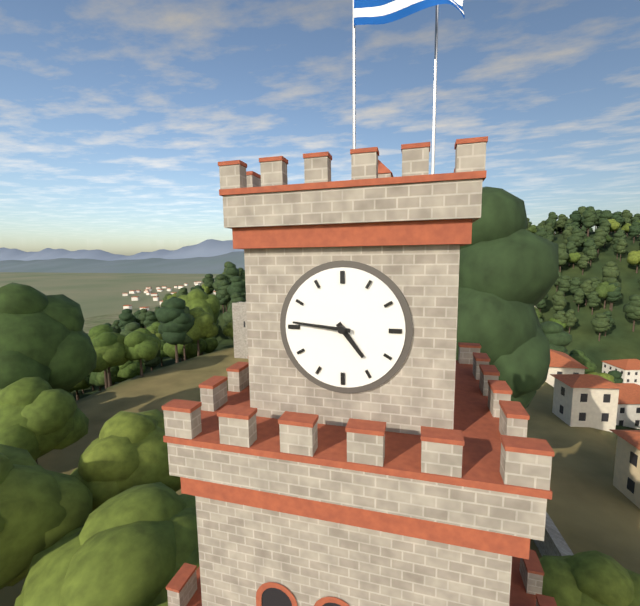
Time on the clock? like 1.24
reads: 4.46
